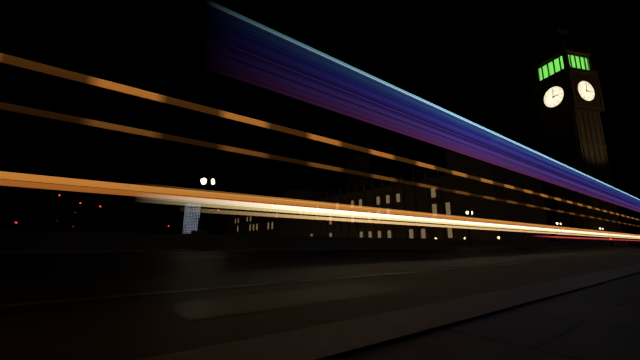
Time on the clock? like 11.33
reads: 3.01
